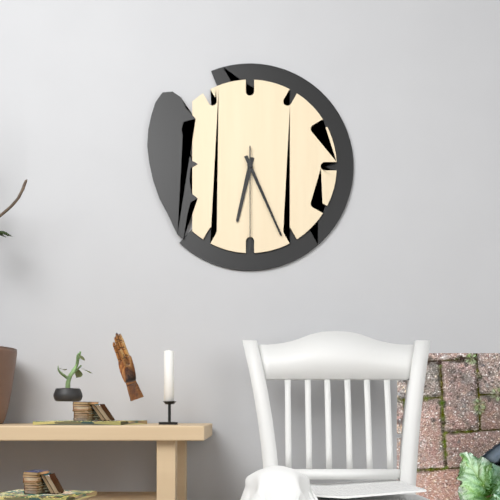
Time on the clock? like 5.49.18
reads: 6.26.30
